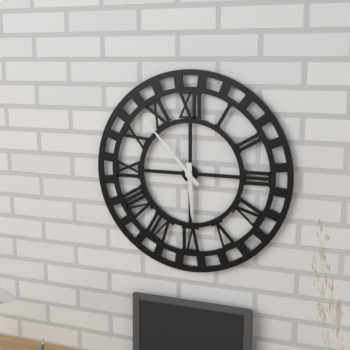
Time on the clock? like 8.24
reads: 5.53
